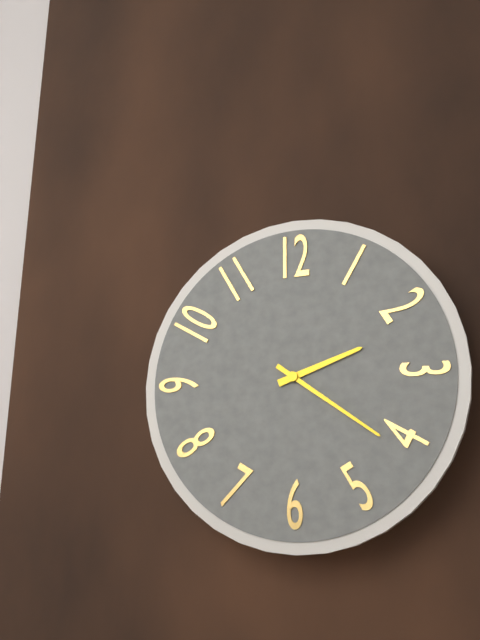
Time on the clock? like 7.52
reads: 2.21
